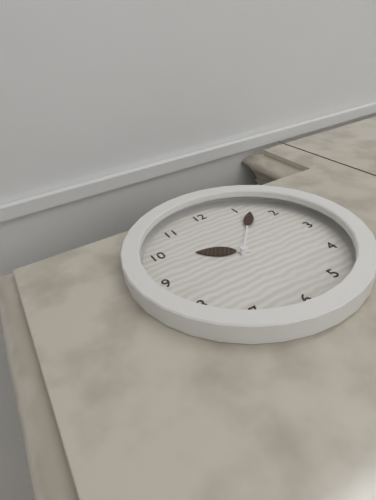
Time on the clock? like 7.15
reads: 10.07
